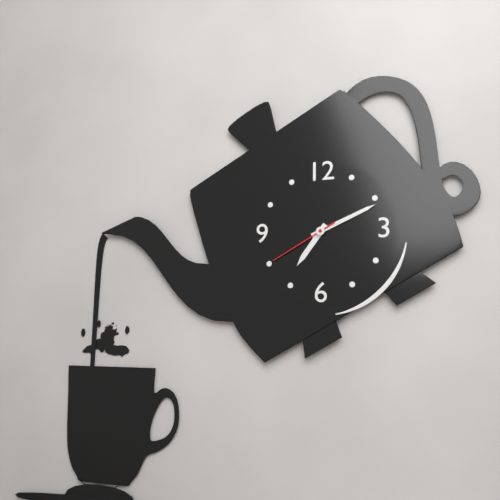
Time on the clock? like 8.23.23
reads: 7.11.40
